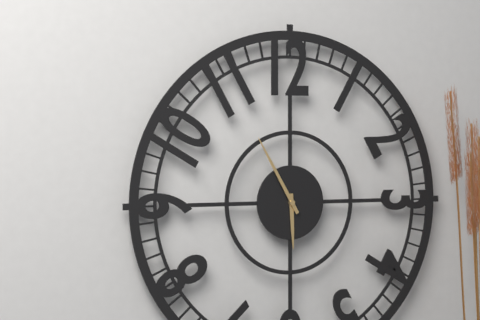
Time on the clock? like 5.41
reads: 5.55
